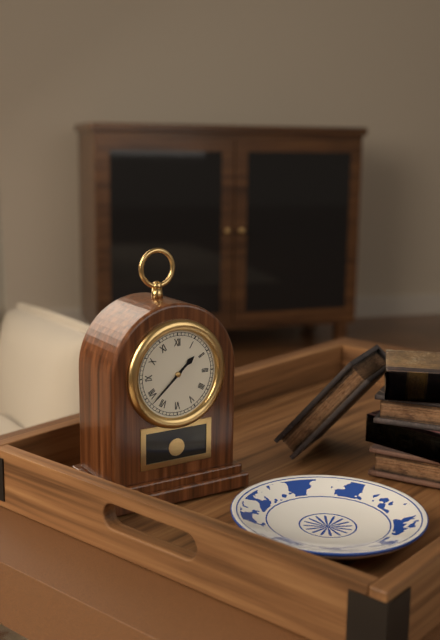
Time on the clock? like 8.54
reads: 1.38
